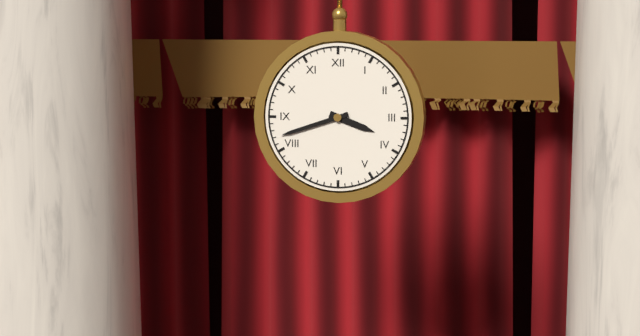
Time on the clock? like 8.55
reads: 3.42
